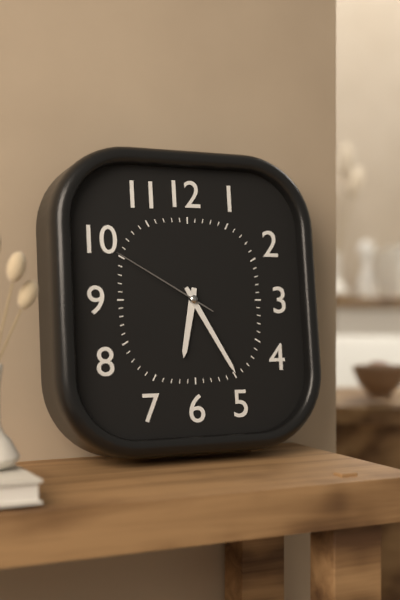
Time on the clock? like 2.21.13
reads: 6.25.50
